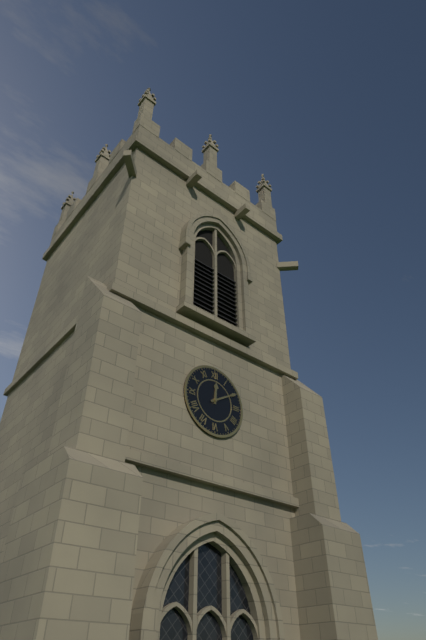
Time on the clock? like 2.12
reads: 12.10
